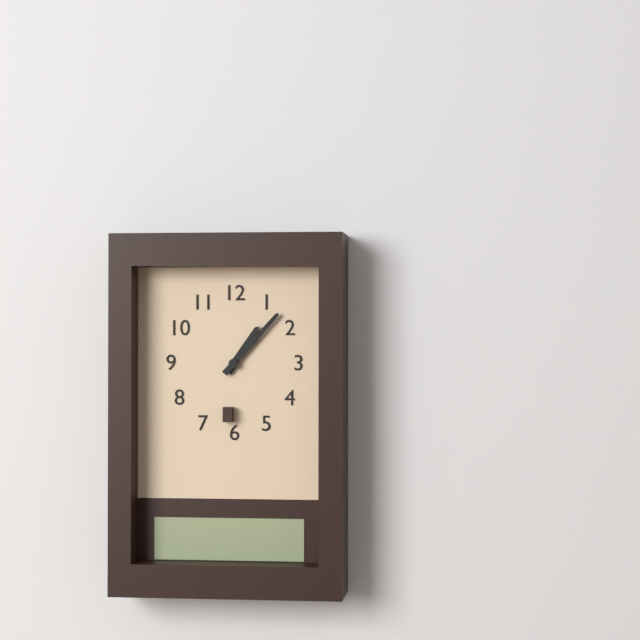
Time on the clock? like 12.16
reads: 1.07
